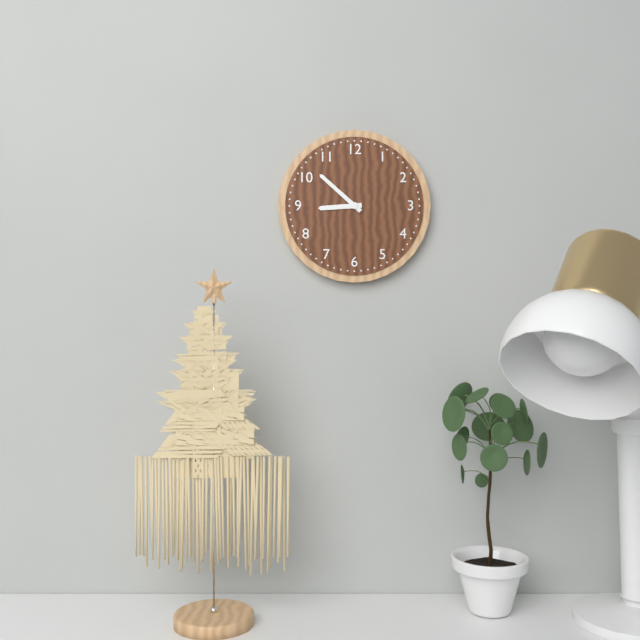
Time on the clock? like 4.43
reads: 8.52
